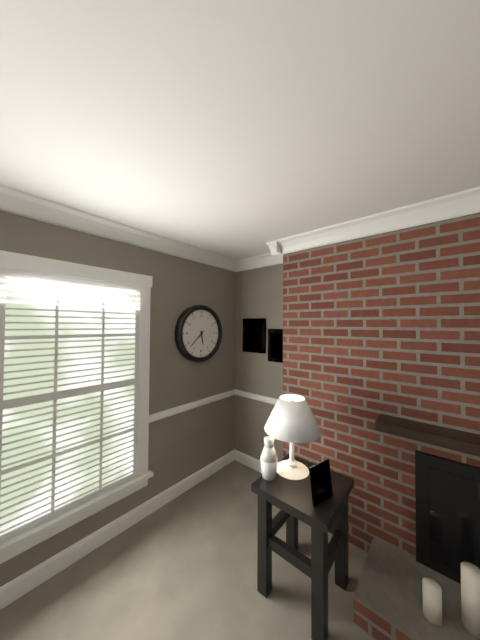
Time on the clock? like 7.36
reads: 5.38
